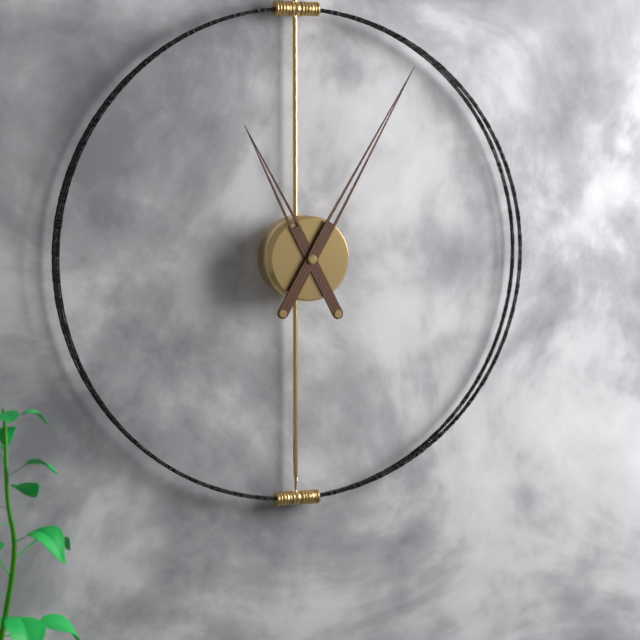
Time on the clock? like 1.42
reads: 11.05
